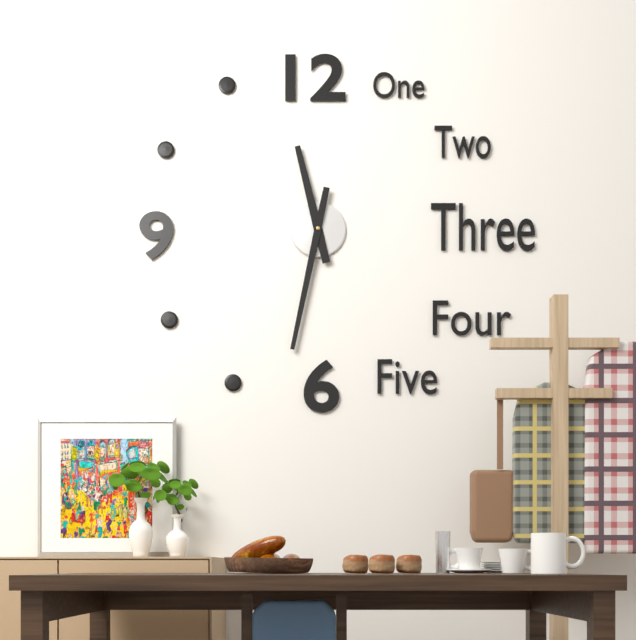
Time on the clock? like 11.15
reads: 11.32
